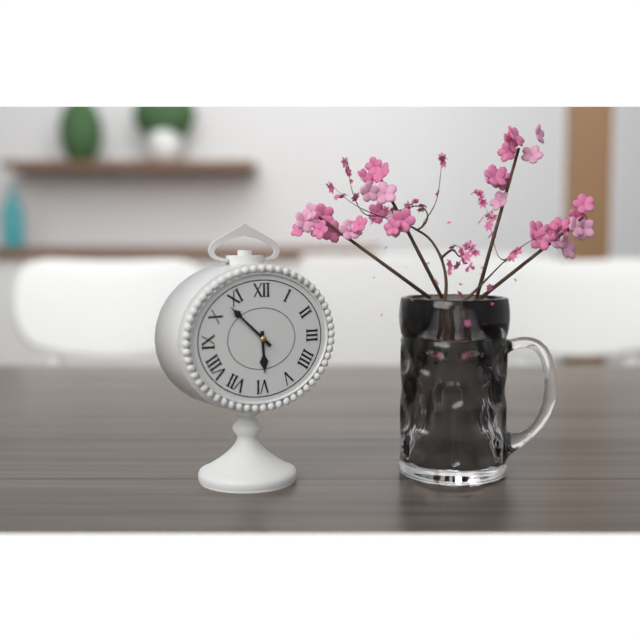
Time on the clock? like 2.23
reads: 5.52
